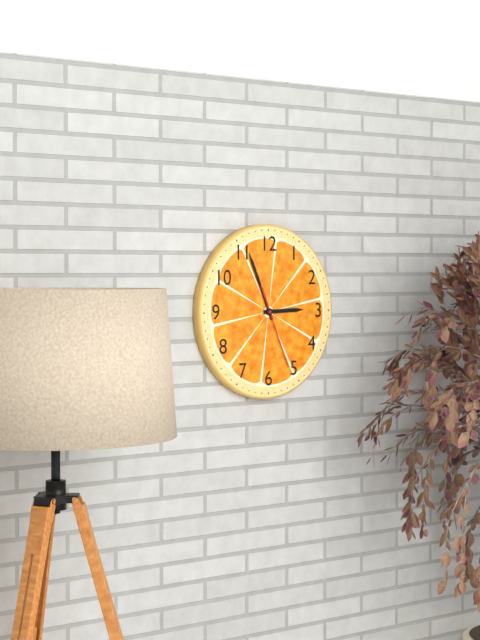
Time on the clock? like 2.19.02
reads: 2.56.26
